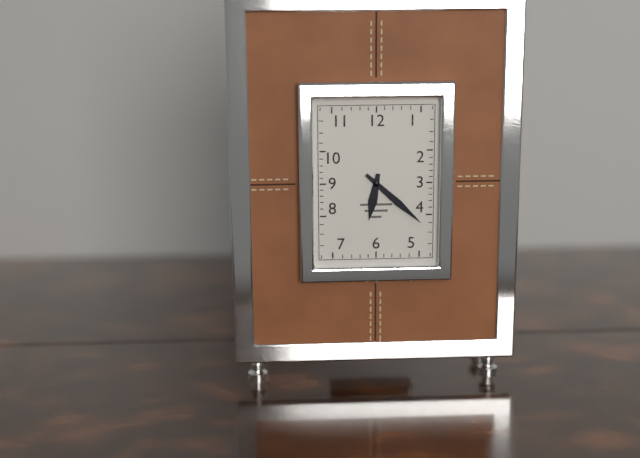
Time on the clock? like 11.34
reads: 6.22
